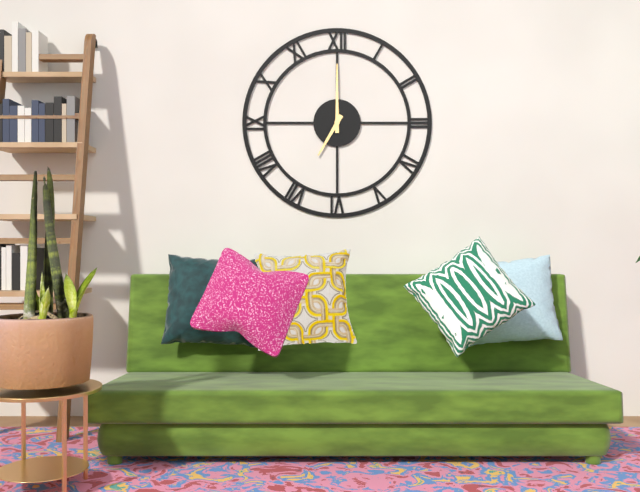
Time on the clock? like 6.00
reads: 7.00
